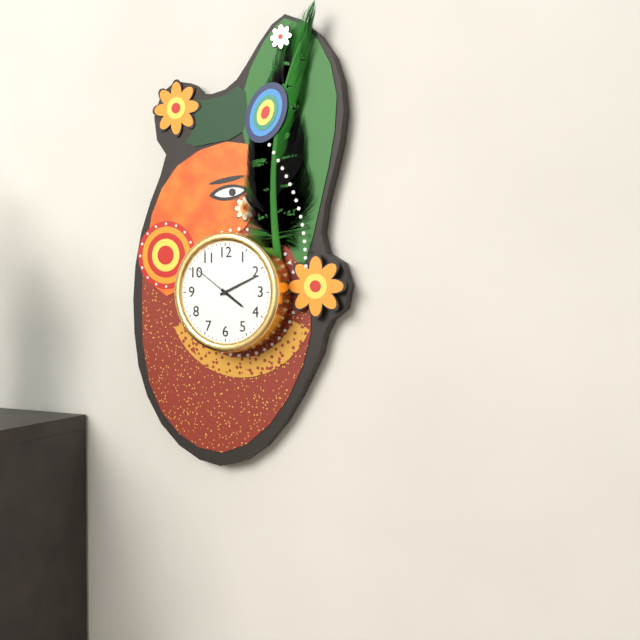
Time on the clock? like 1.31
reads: 4.11
